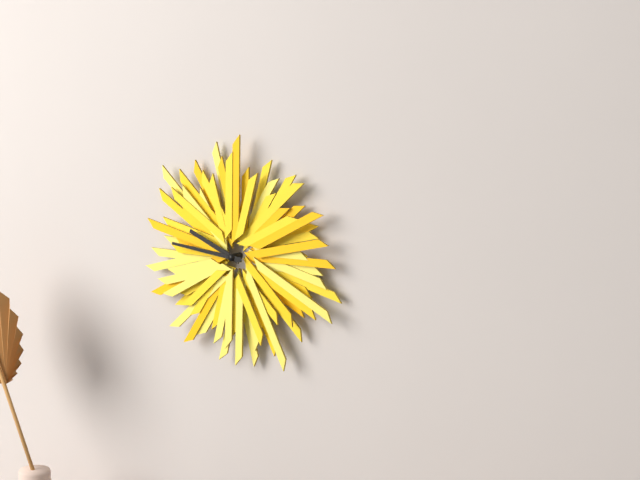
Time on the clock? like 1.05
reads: 9.46
